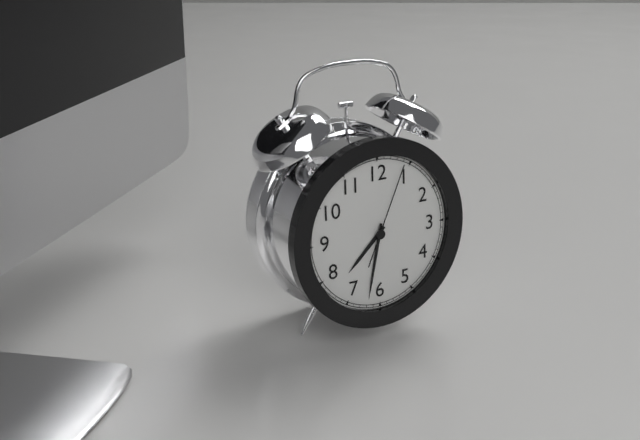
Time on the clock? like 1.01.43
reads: 7.32.04
